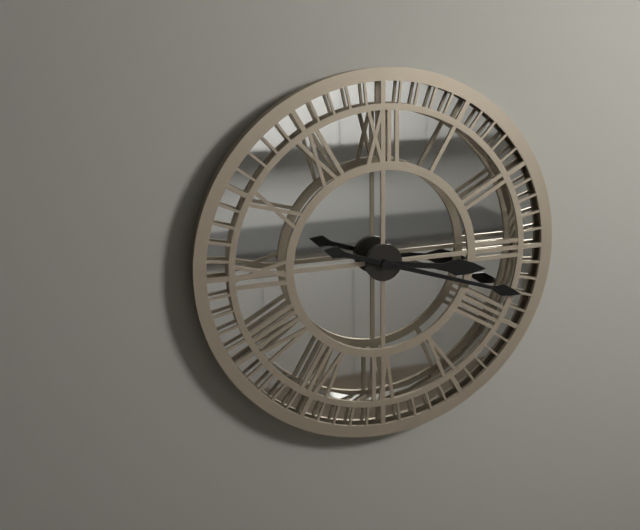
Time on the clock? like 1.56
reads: 3.18
